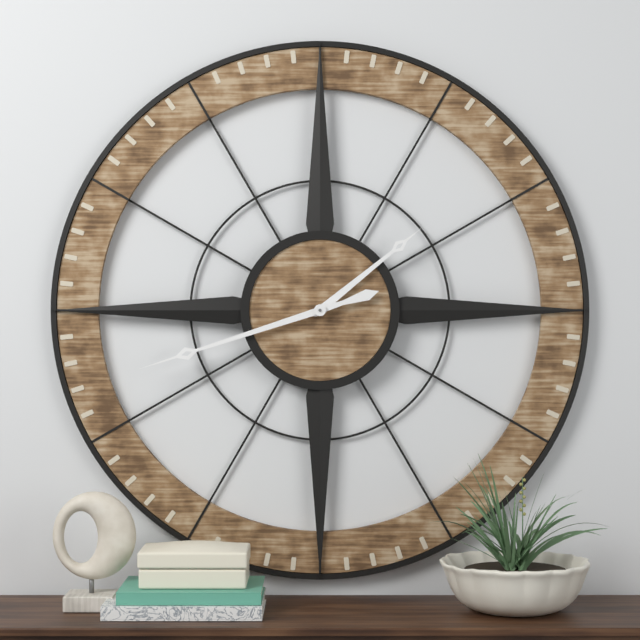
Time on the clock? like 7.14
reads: 1.42
